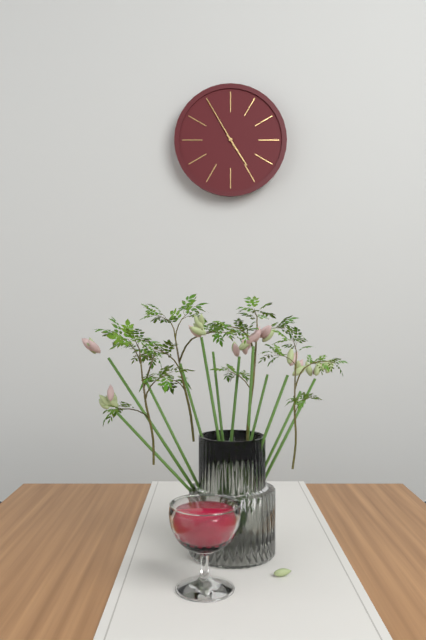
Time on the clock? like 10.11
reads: 4.55
